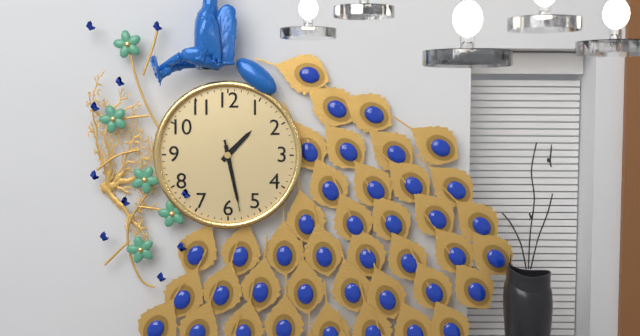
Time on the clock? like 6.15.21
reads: 1.28.28
